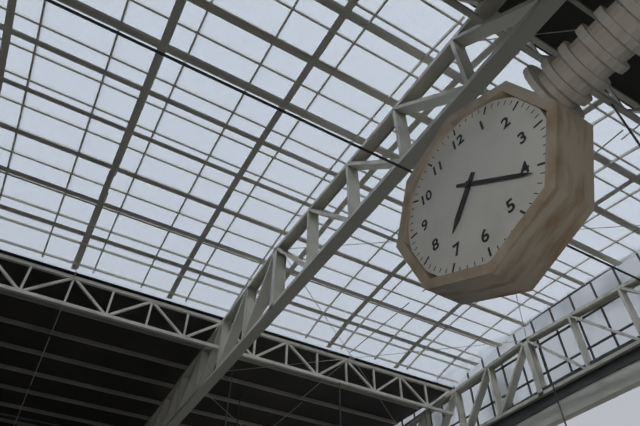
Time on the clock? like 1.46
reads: 7.21
